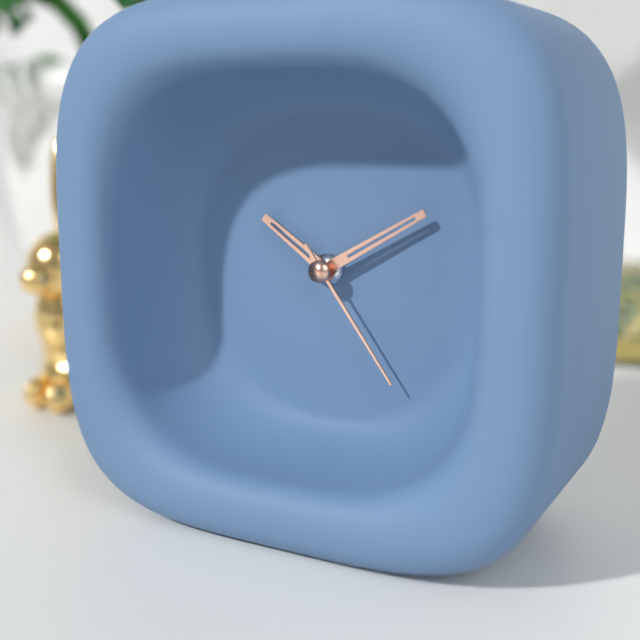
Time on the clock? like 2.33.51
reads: 10.10.24
